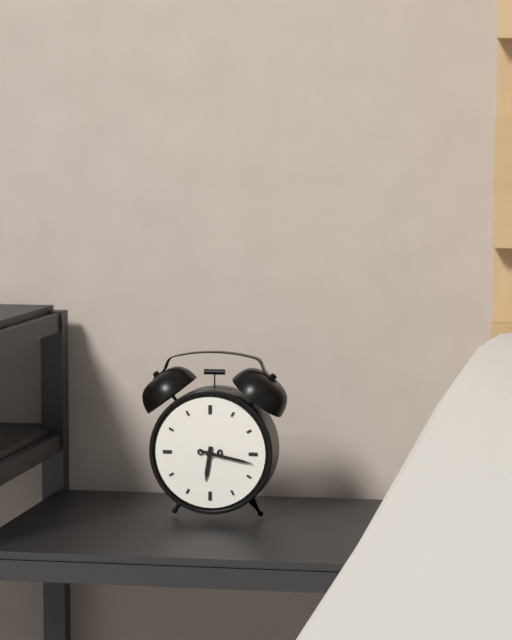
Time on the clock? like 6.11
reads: 6.17
